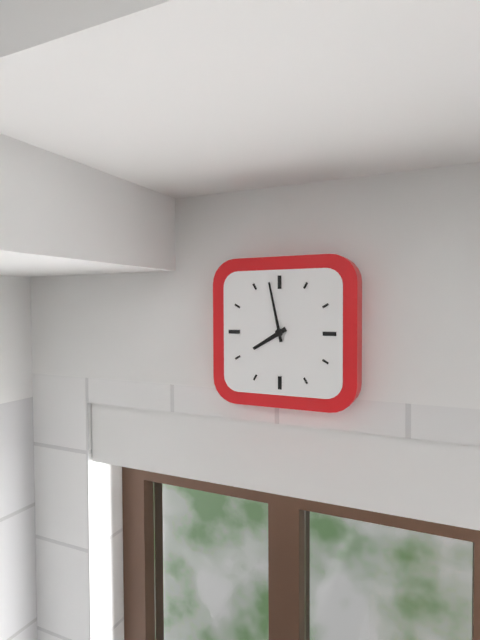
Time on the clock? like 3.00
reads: 7.58
